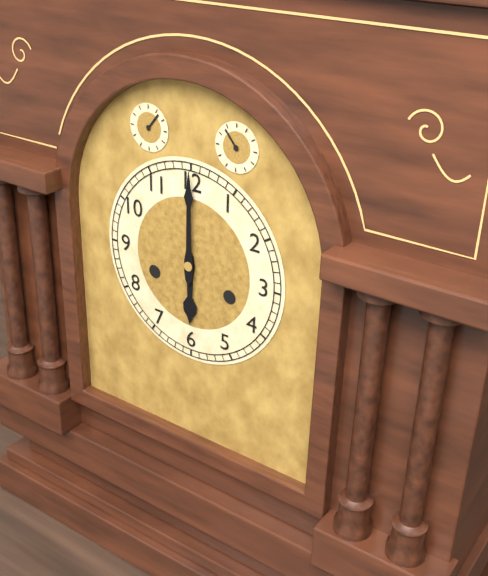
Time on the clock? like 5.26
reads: 6.00
